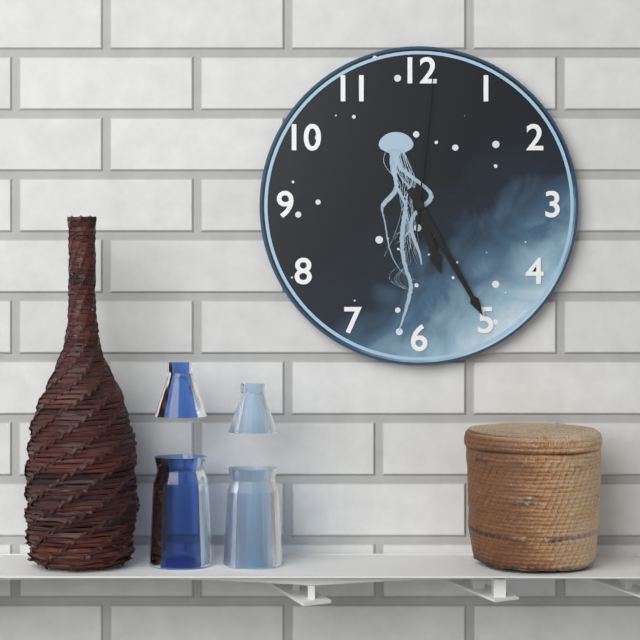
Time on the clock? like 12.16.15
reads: 5.25.01
